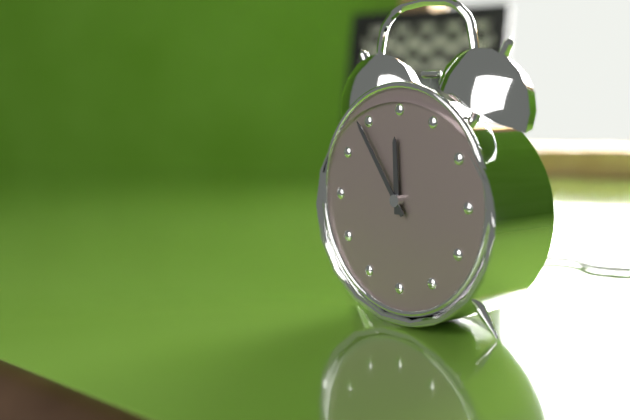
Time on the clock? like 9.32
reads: 11.54
